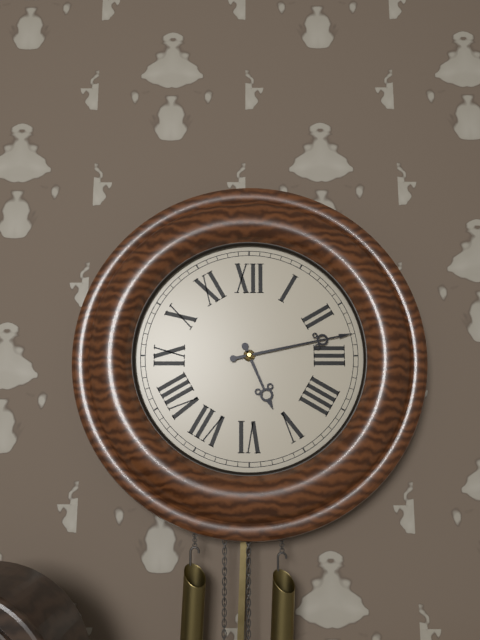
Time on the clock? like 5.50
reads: 5.13
